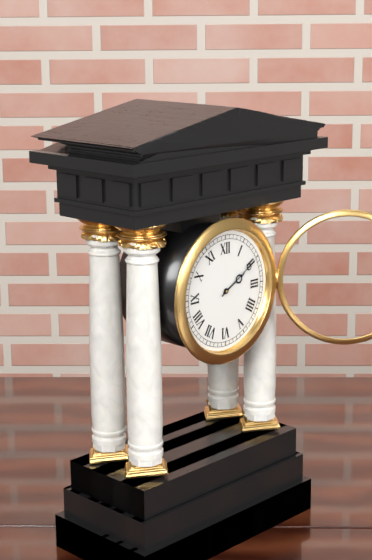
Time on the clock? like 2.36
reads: 2.10
